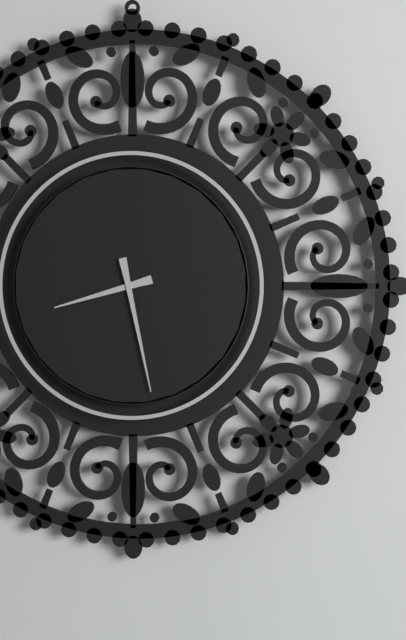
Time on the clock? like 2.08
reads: 8.28
